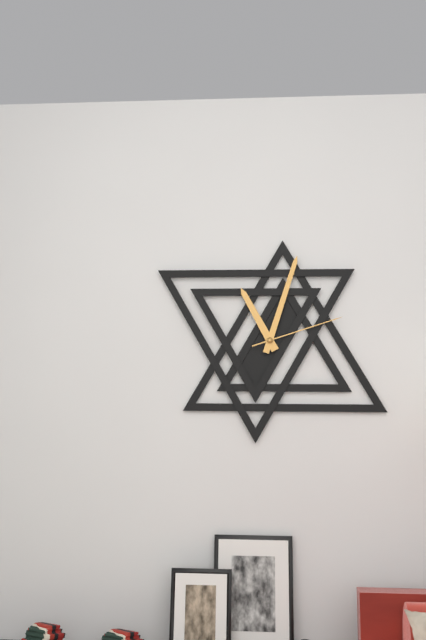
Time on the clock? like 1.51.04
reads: 11.03.12
